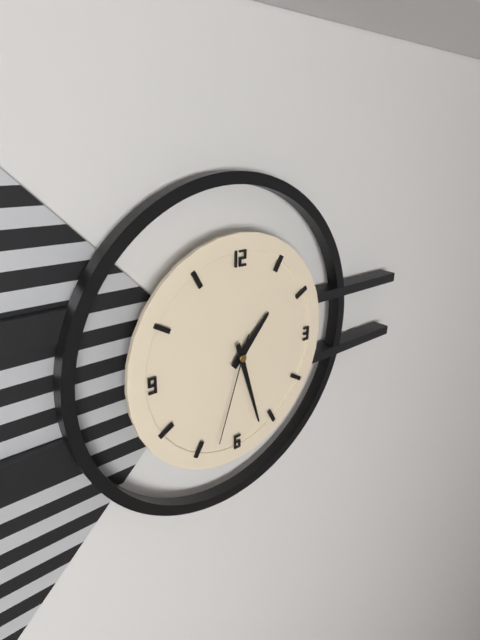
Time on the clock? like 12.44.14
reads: 1.27.33
